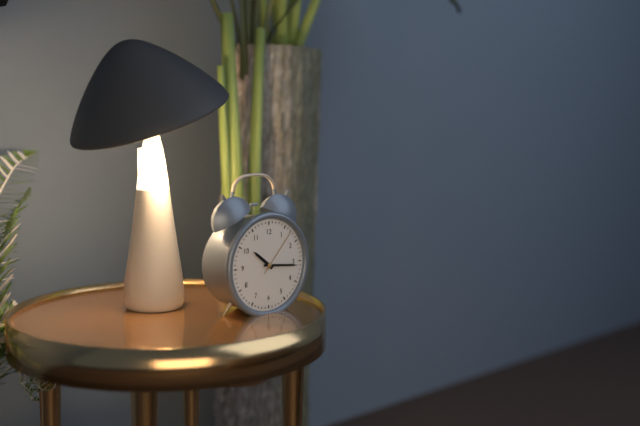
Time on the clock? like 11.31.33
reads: 10.16.07
